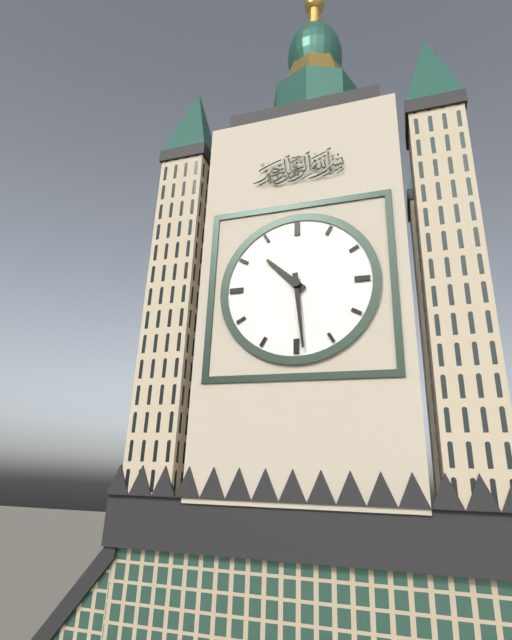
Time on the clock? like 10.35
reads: 10.29
